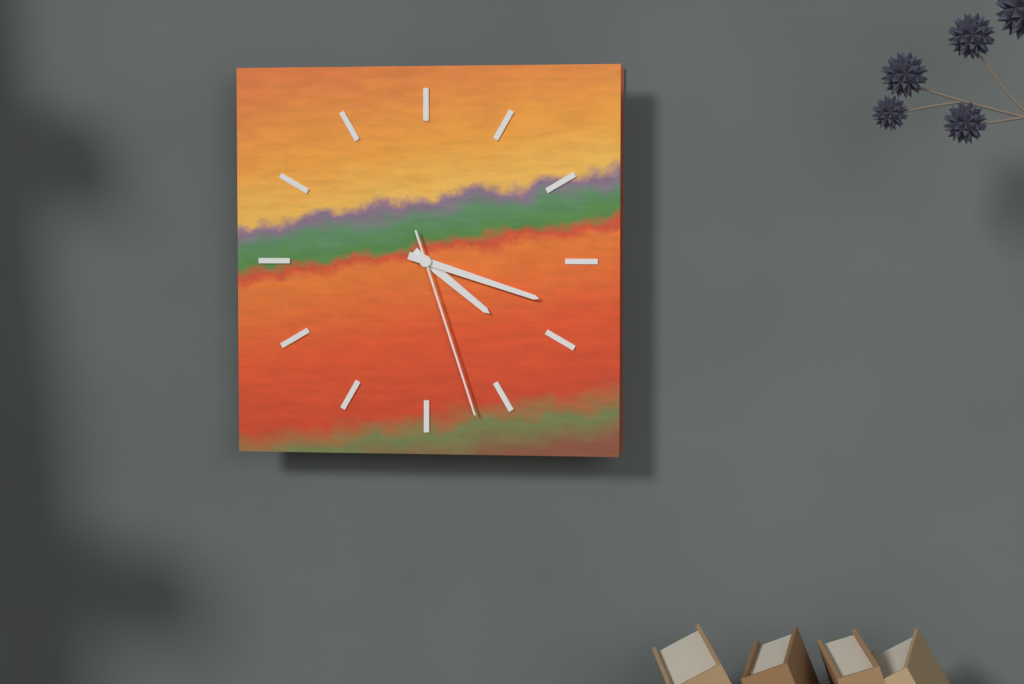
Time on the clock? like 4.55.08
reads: 4.18.27
